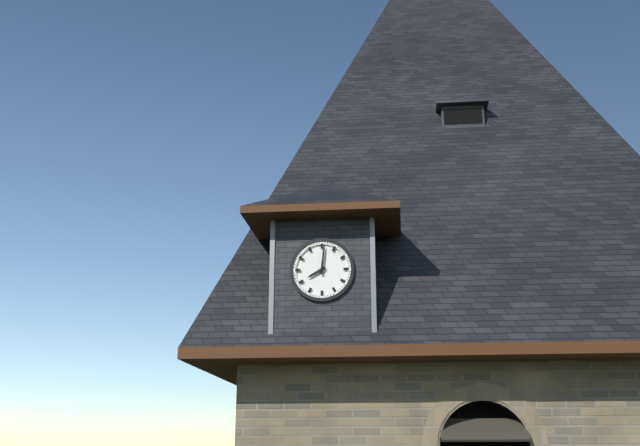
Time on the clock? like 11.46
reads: 8.01
